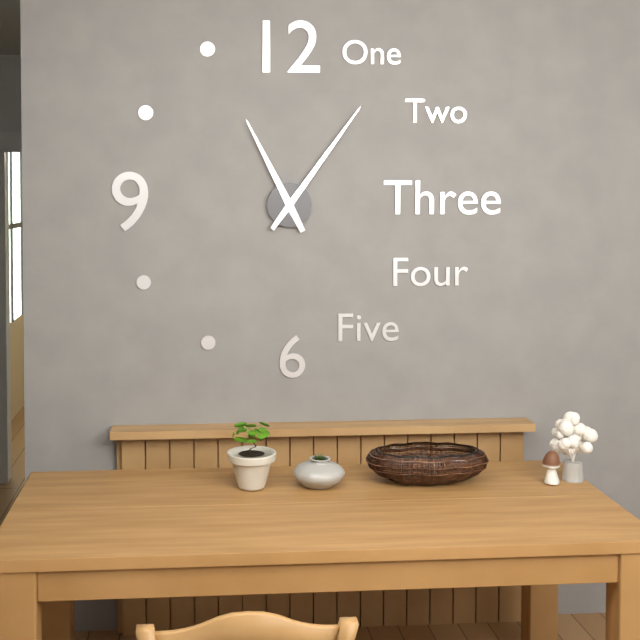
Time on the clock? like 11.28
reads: 11.06
